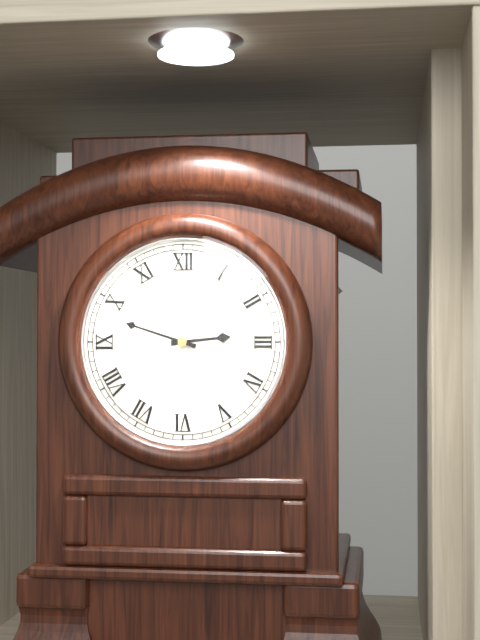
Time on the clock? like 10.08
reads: 2.48
